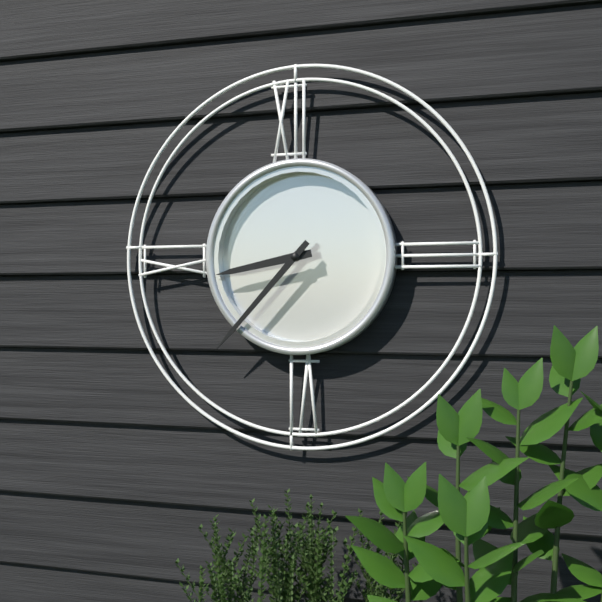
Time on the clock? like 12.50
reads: 8.37
